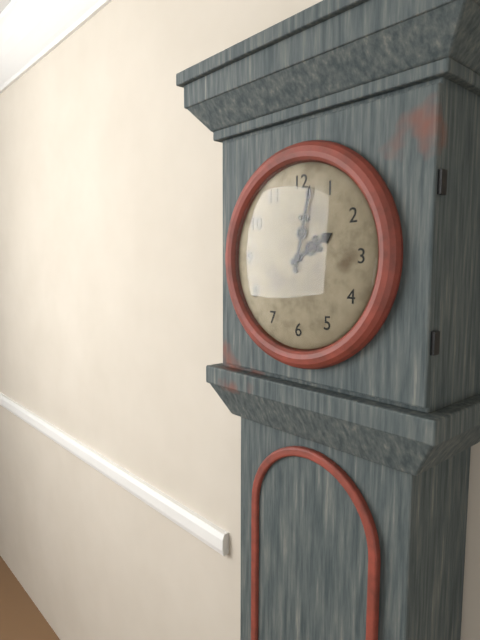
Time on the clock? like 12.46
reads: 2.02
